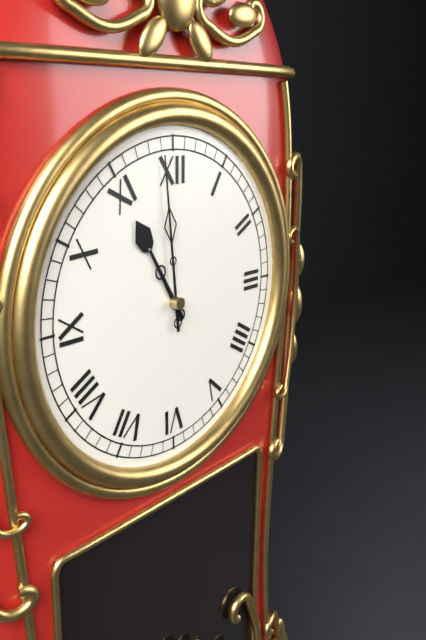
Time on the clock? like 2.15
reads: 10.59
